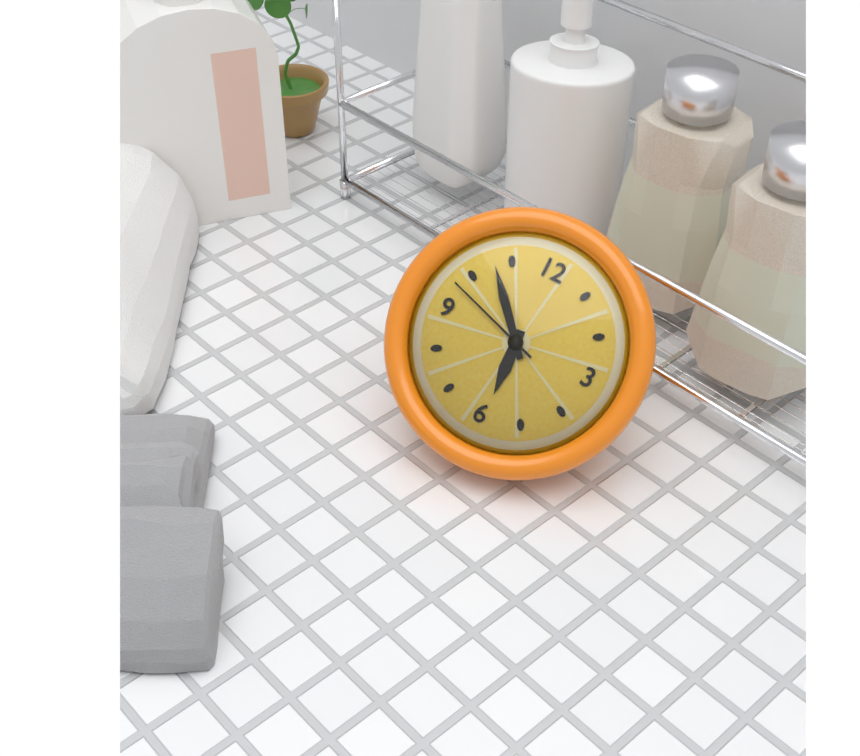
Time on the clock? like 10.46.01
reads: 5.53.48
